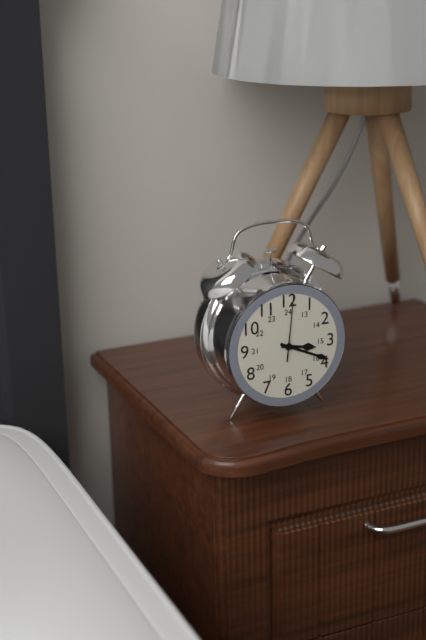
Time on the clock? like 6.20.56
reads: 3.19.01
